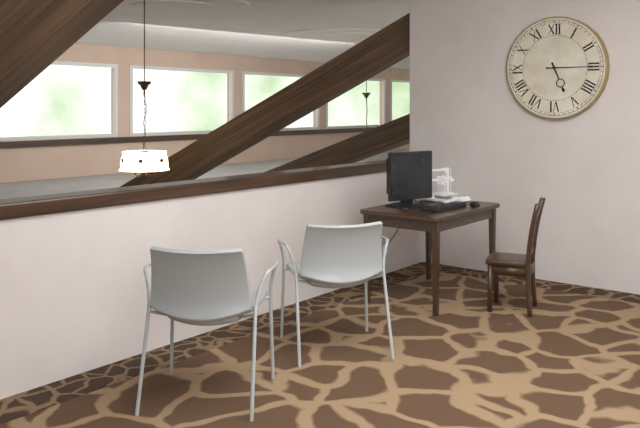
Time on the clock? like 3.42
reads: 5.15
